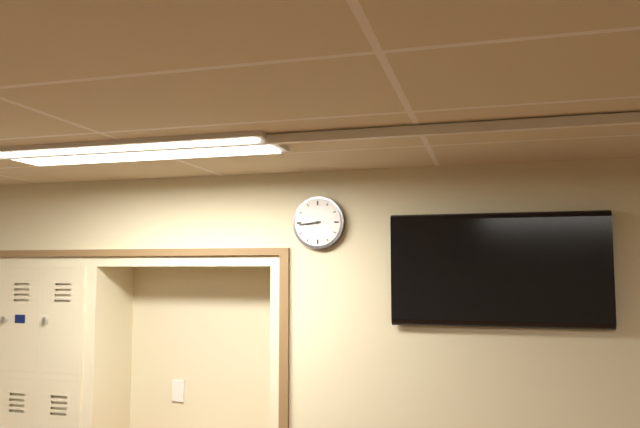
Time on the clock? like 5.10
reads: 8.44
